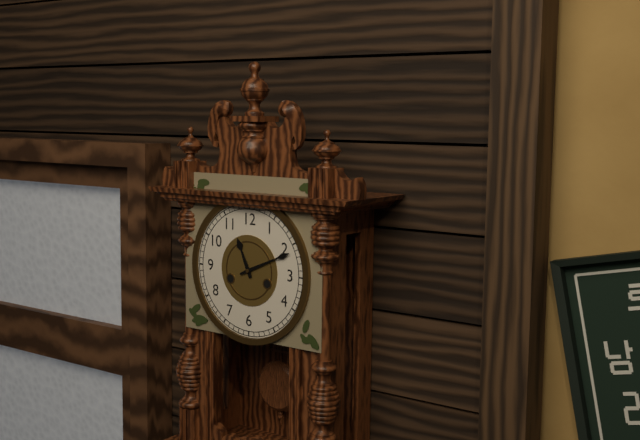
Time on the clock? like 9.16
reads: 11.11
